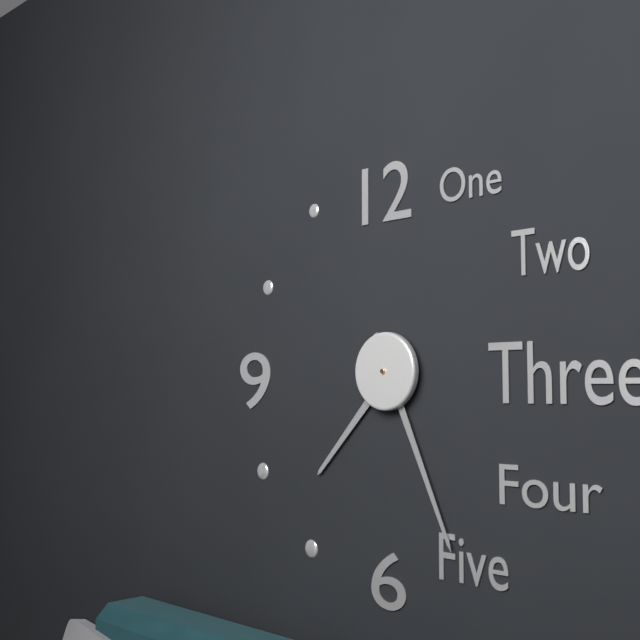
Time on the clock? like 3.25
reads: 7.26
